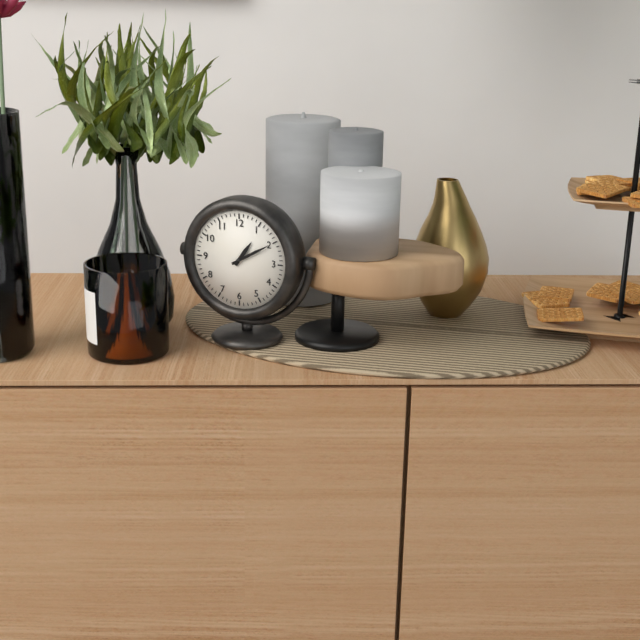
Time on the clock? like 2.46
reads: 1.10
